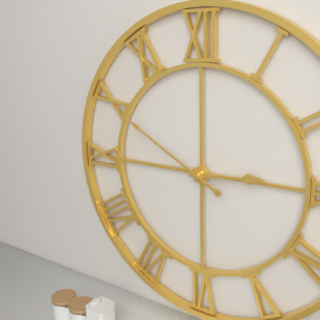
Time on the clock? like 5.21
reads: 2.50
